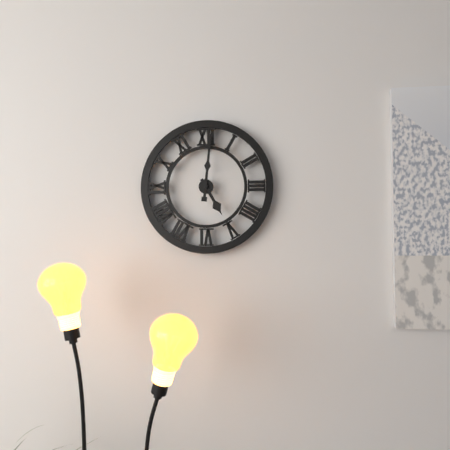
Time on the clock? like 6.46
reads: 5.01
